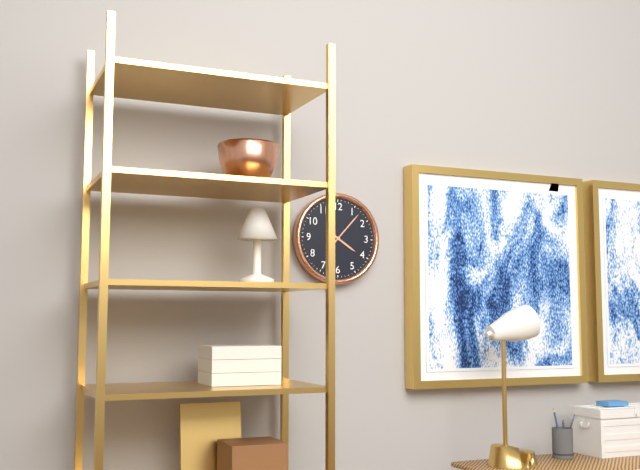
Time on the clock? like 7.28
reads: 4.07
